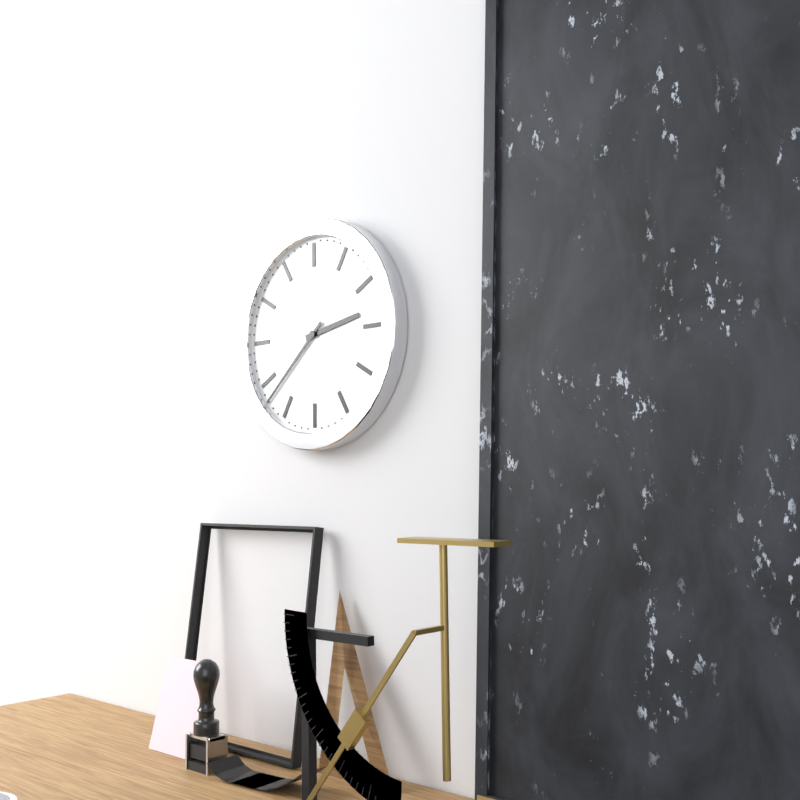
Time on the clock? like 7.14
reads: 2.38
